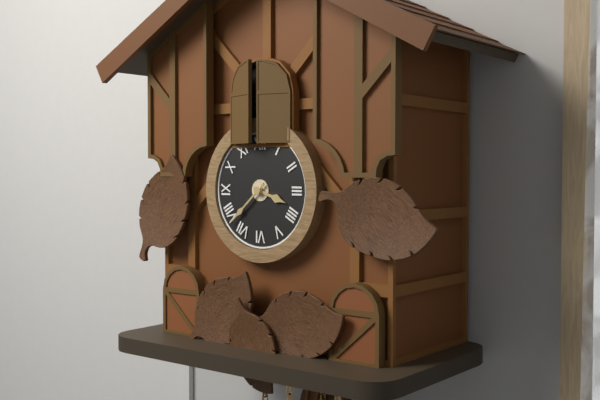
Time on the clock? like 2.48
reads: 3.38
